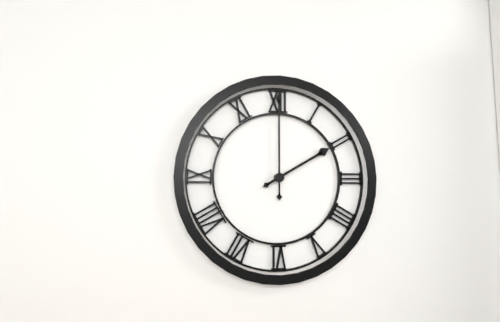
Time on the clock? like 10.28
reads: 2.00
